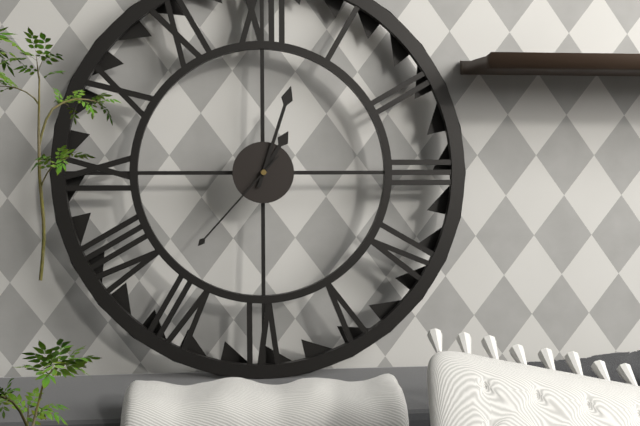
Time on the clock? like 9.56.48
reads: 1.03.37
